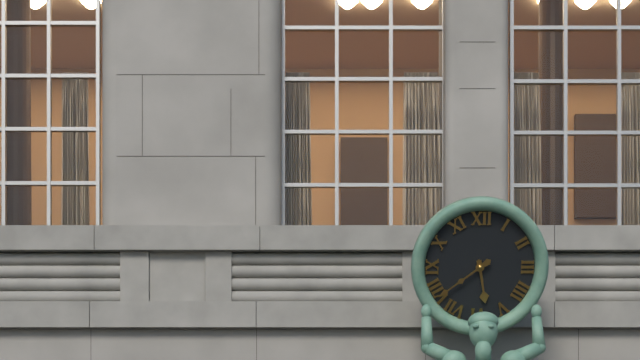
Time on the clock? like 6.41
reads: 5.39
